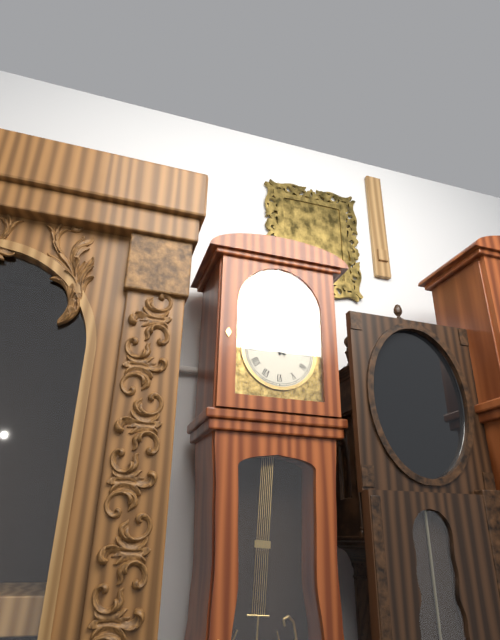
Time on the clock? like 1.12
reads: 11.50
